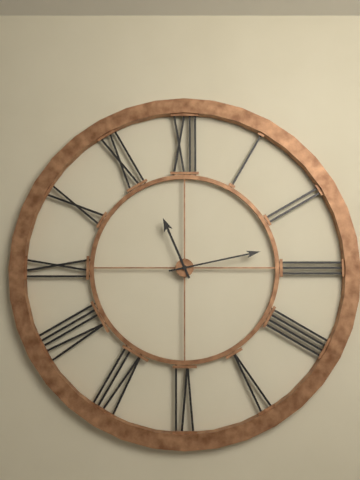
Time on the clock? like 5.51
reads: 11.13
